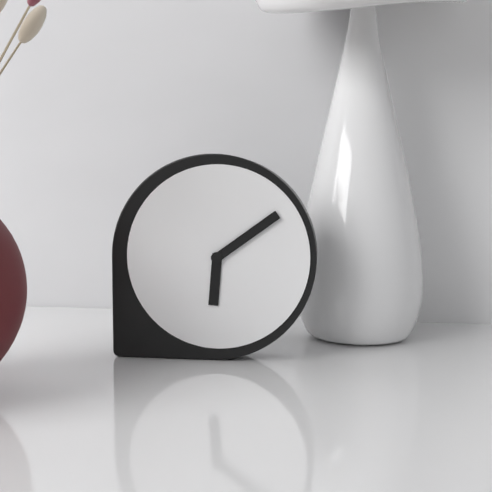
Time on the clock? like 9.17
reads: 6.09
